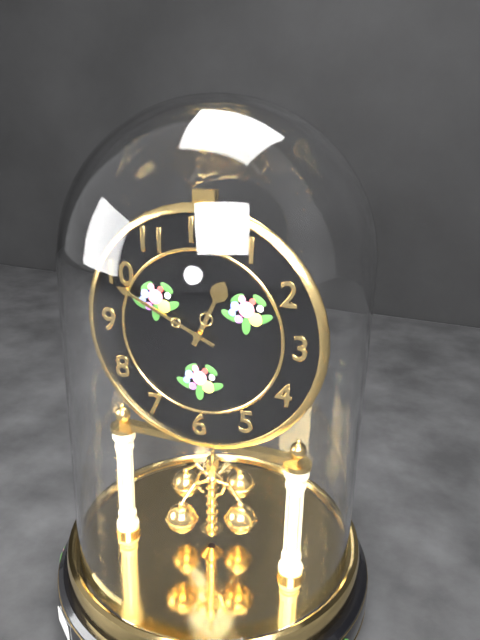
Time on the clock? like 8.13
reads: 12.49
